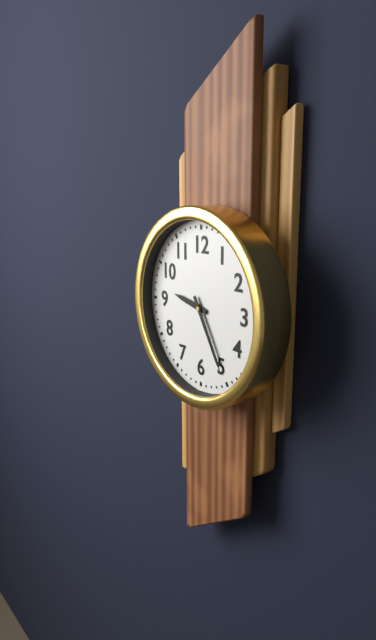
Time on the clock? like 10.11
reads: 9.25
